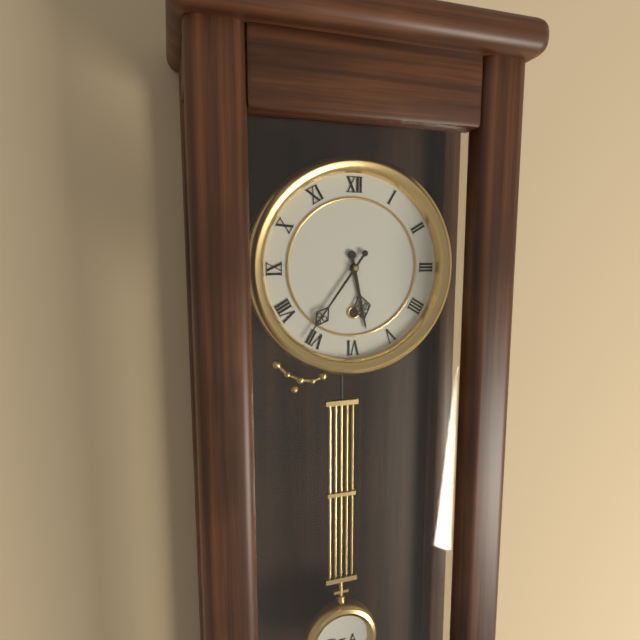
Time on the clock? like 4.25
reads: 5.36
